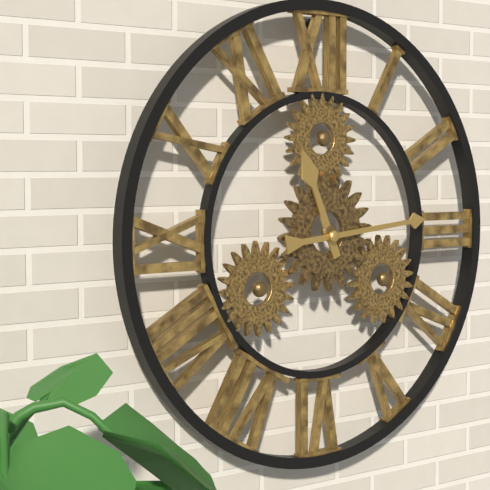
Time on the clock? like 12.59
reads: 11.14
